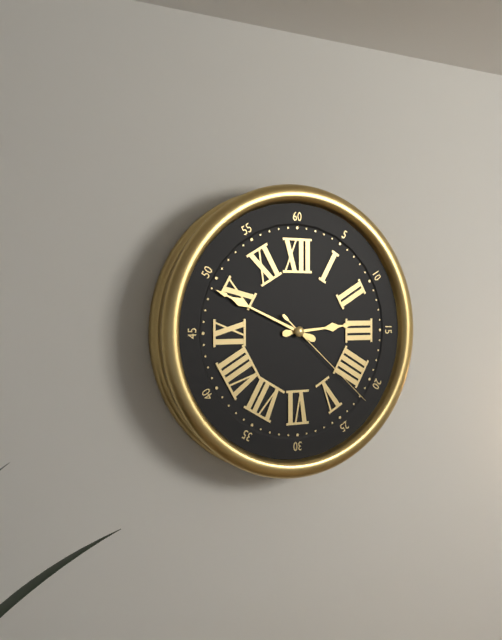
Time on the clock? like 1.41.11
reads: 2.49.22
